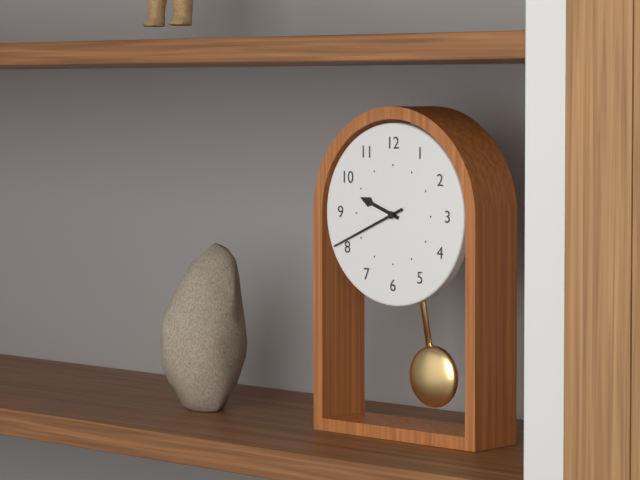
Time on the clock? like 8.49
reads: 9.41
